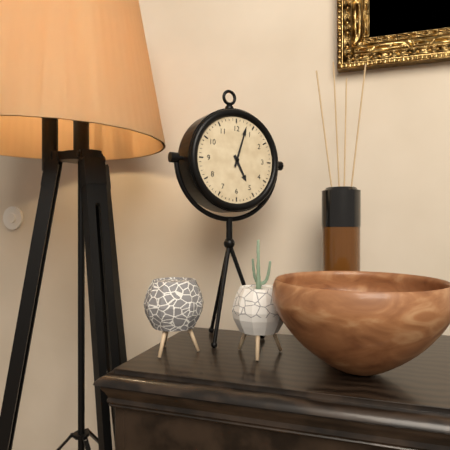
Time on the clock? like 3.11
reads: 5.03
